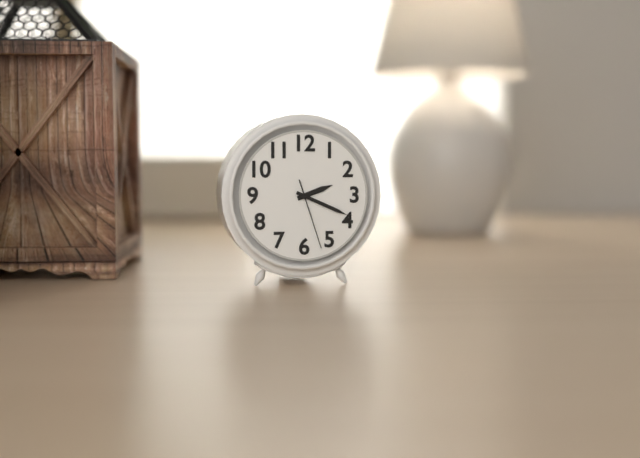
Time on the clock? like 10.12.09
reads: 2.19.27
